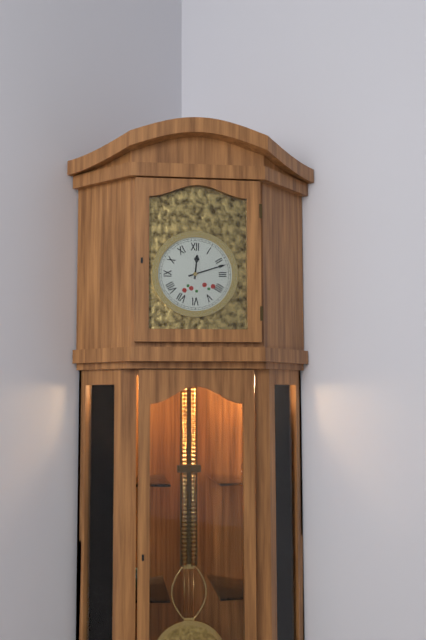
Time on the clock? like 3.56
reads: 12.12
